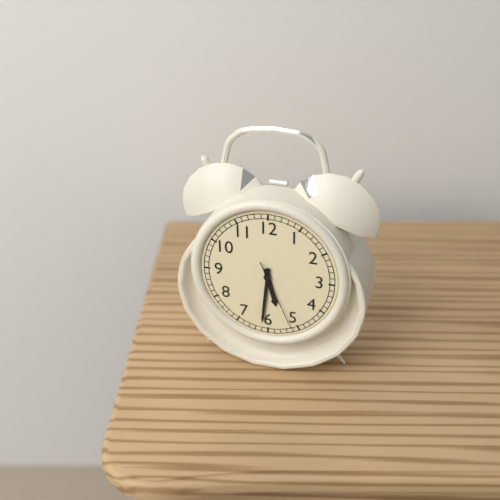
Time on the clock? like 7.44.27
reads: 5.31.26
